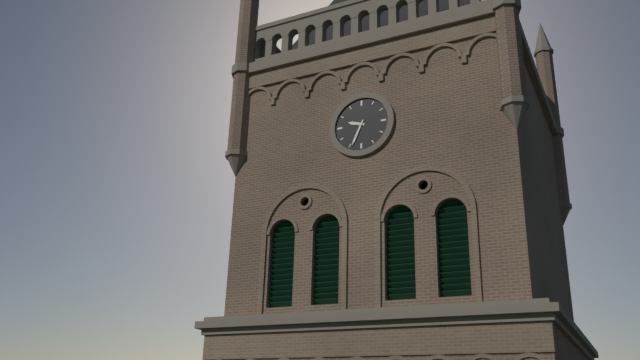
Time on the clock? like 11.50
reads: 9.34
